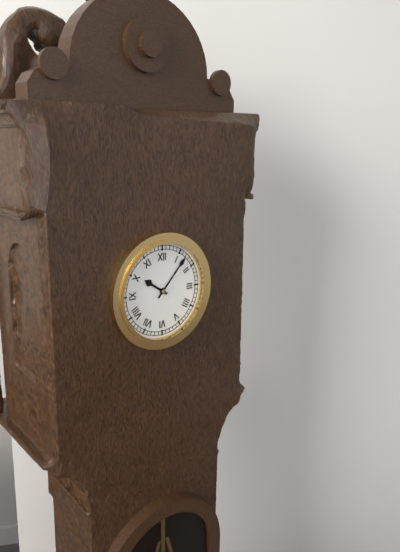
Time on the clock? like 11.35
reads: 10.07
